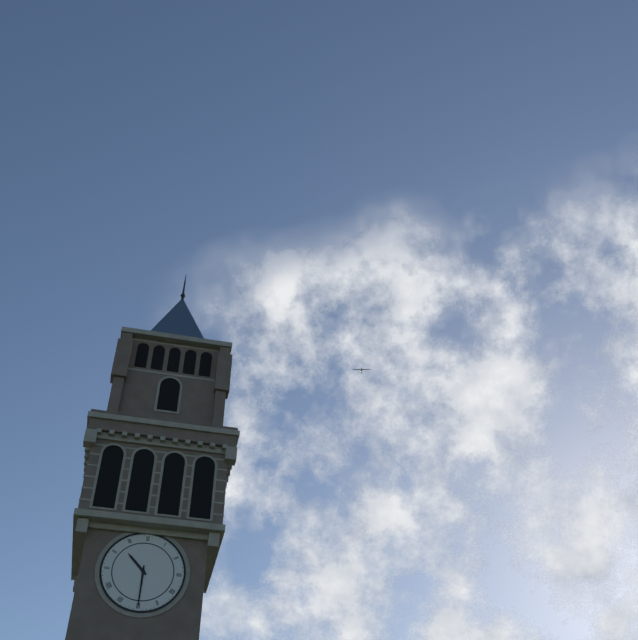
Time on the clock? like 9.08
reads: 10.30
